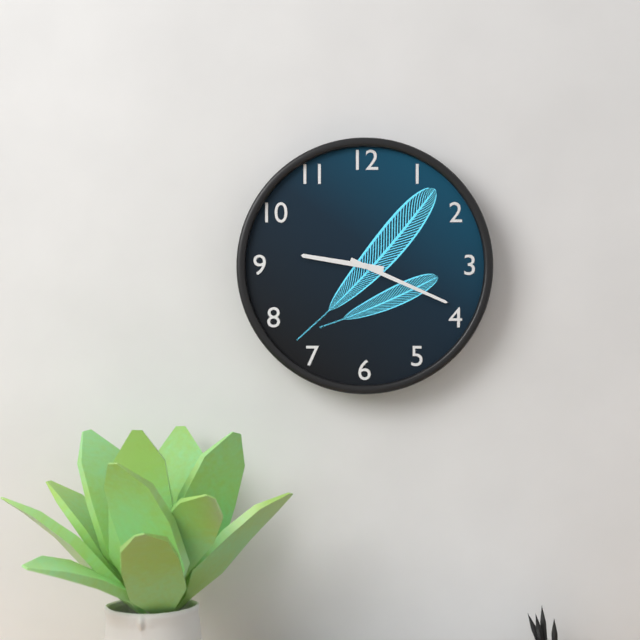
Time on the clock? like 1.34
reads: 9.19
